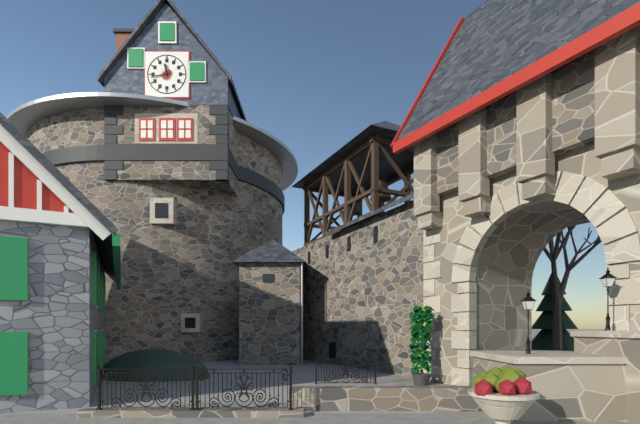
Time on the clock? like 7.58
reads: 11.43
